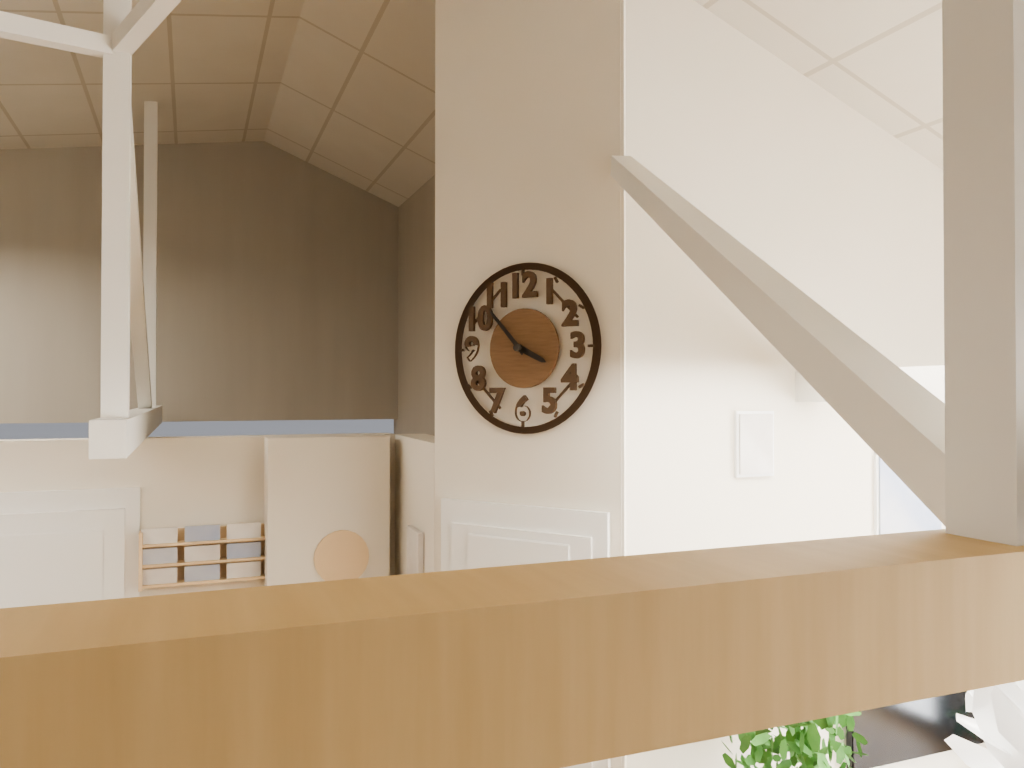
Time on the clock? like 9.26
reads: 3.53
